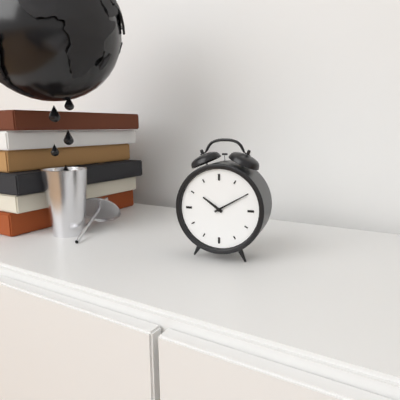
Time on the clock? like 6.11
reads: 10.10
